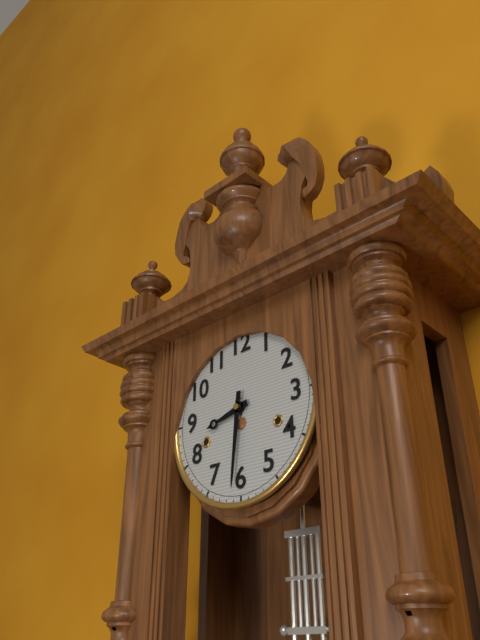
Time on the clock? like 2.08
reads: 8.31
